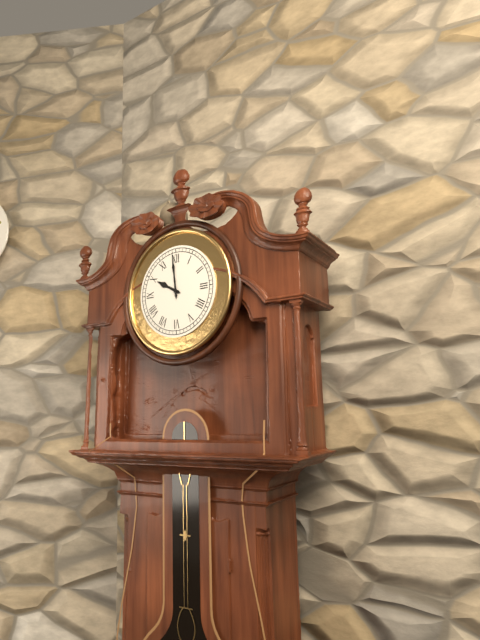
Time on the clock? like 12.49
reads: 9.59
